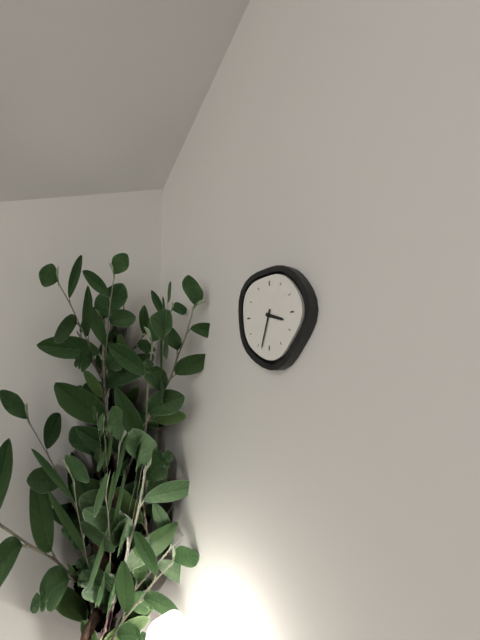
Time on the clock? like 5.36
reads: 3.33
